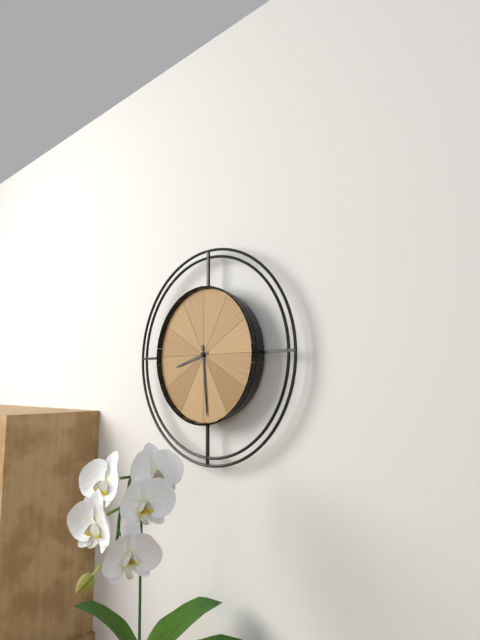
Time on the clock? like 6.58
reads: 8.29
